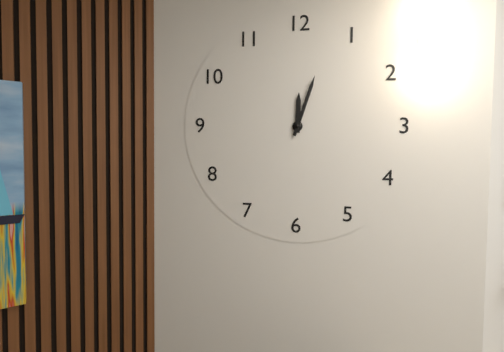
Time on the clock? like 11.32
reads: 12.03
